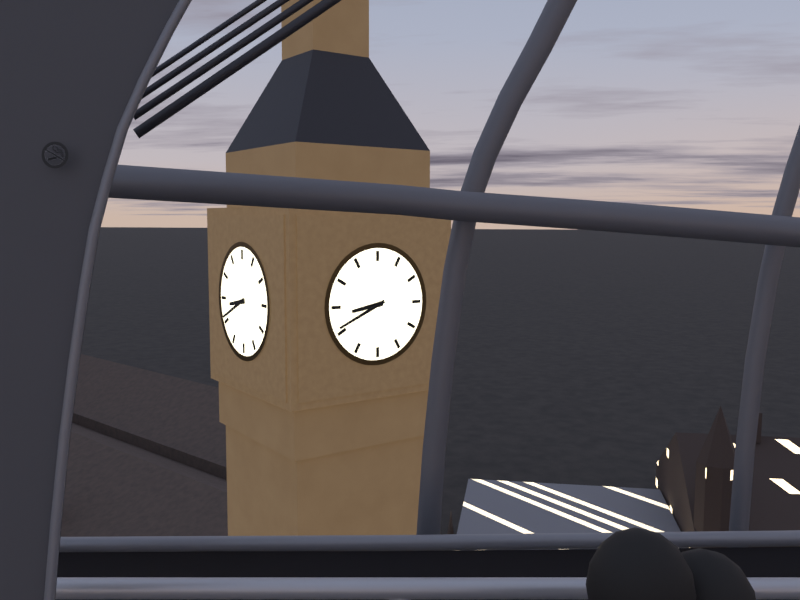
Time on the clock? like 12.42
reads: 8.41
